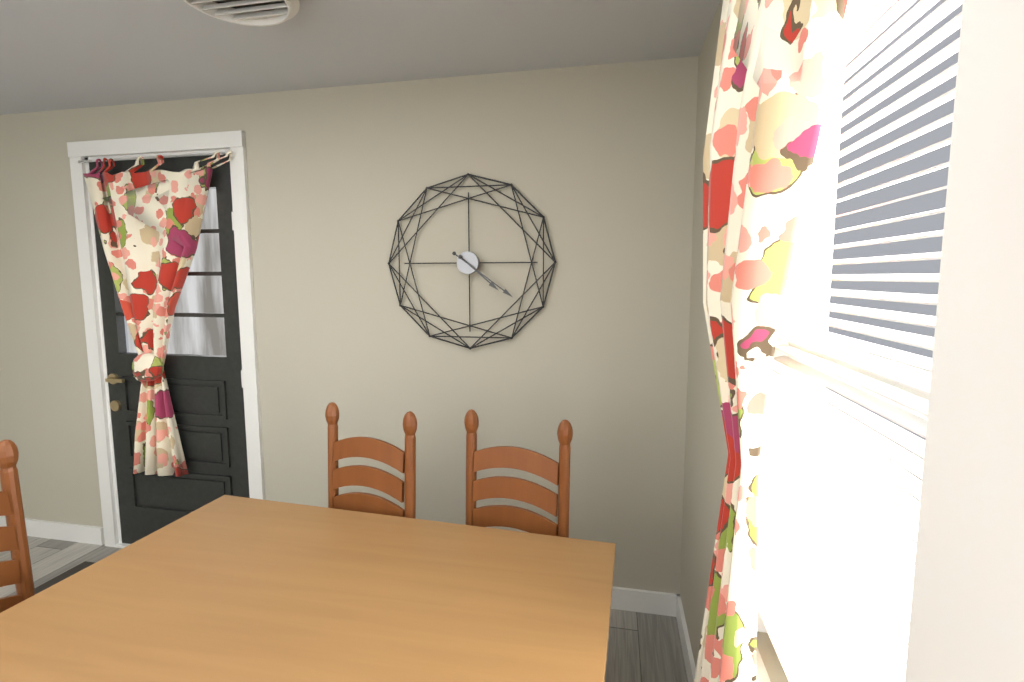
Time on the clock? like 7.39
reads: 4.21
